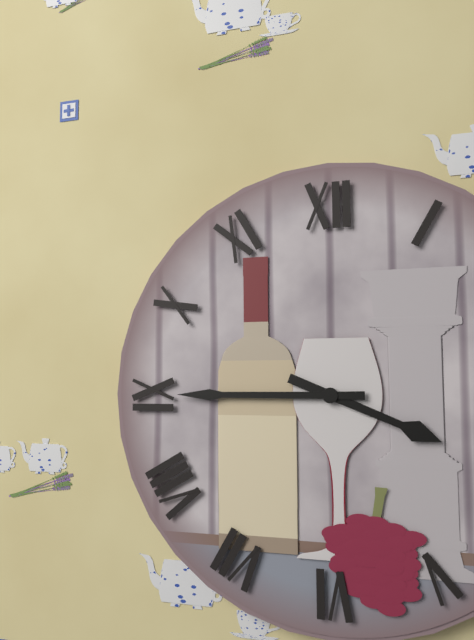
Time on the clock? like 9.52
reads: 3.45
